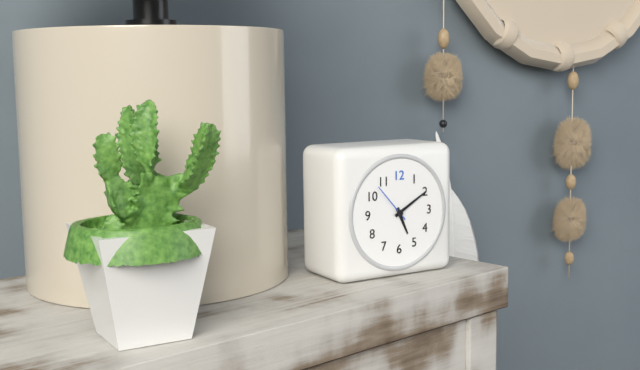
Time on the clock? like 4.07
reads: 5.10
